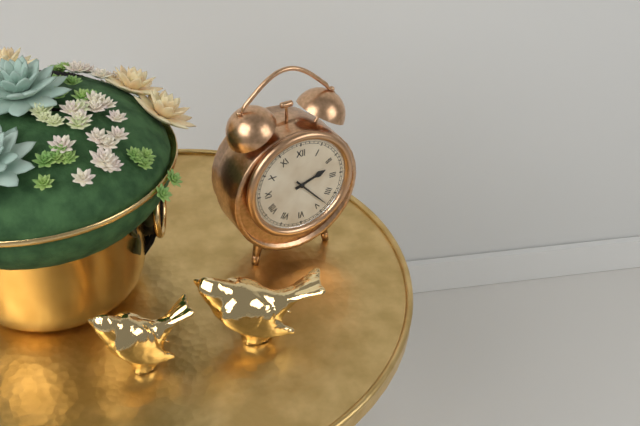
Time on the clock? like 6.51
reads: 2.23
